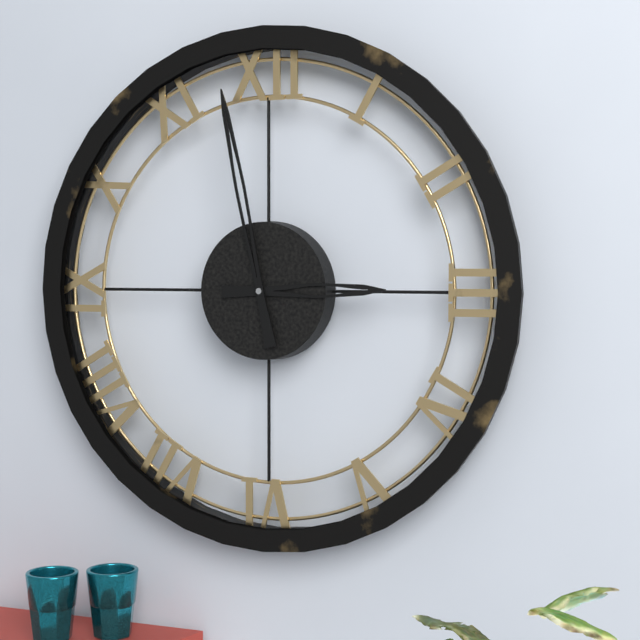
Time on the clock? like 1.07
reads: 2.58
